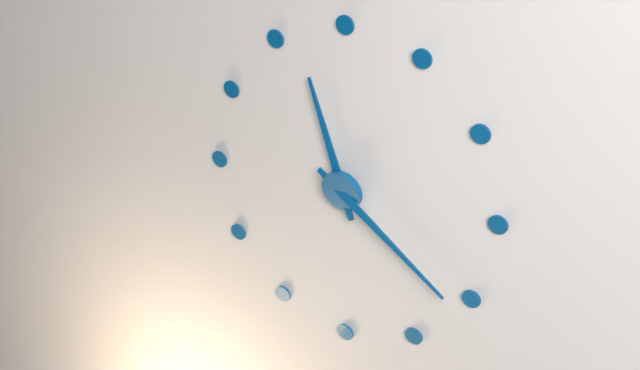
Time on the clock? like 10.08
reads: 11.21
